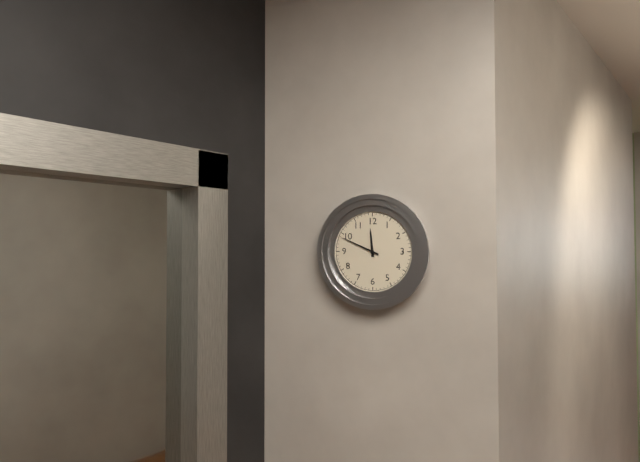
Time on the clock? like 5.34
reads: 11.49
